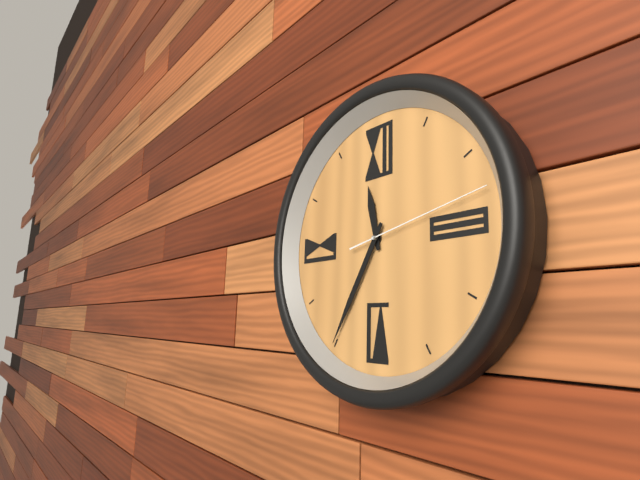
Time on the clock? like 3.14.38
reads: 11.35.13
